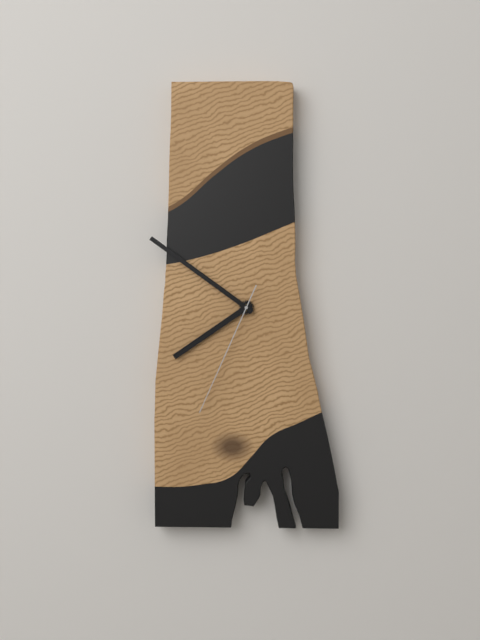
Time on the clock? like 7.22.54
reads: 7.51.34
